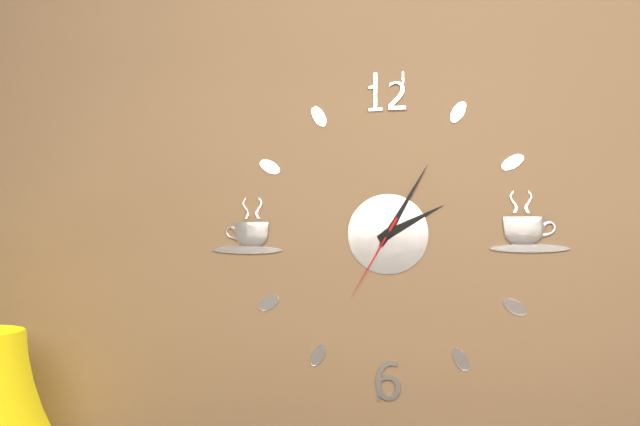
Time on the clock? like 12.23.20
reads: 2.05.35
